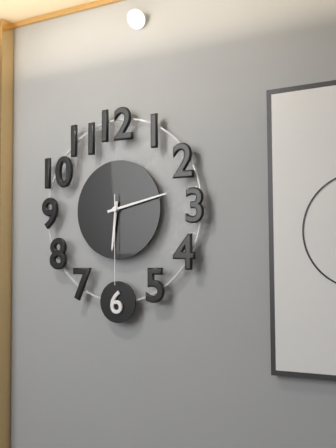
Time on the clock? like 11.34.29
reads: 6.13.30
